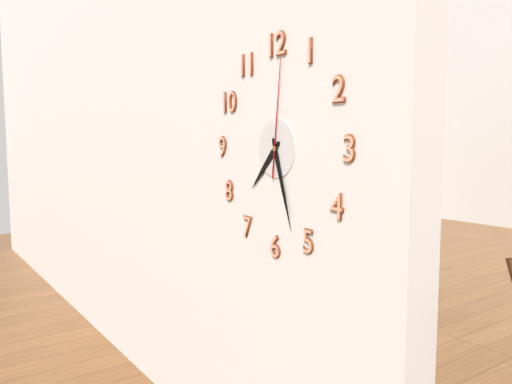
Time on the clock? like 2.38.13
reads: 7.27.01
